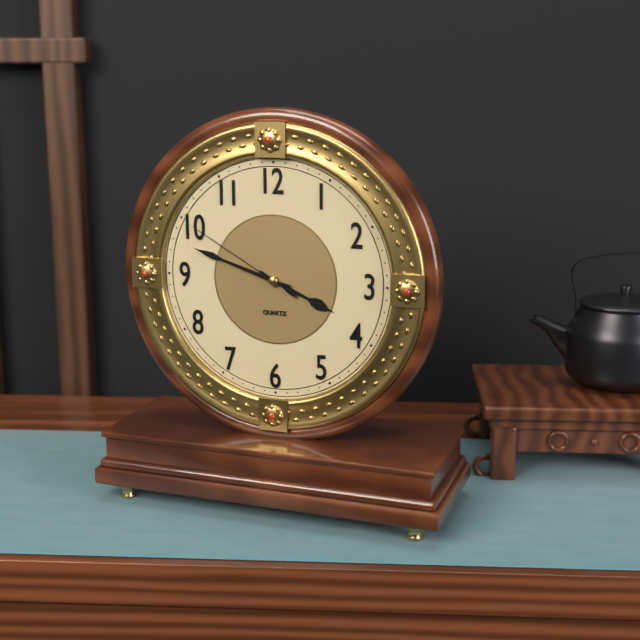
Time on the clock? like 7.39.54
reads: 3.48.50
